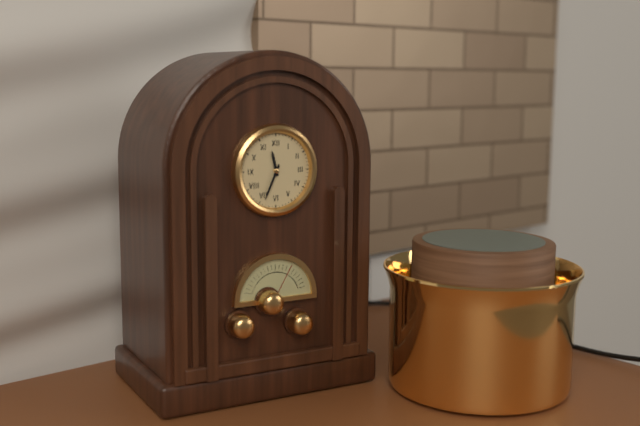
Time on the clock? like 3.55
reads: 11.34
